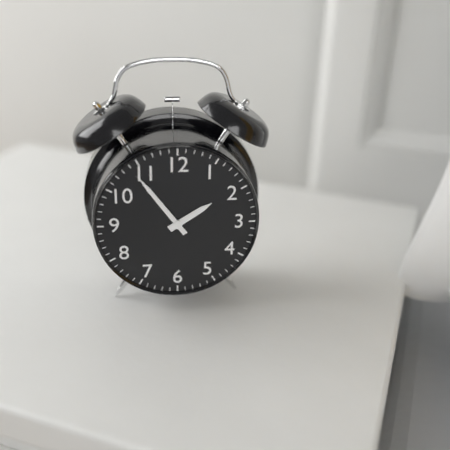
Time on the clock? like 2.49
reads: 1.54
